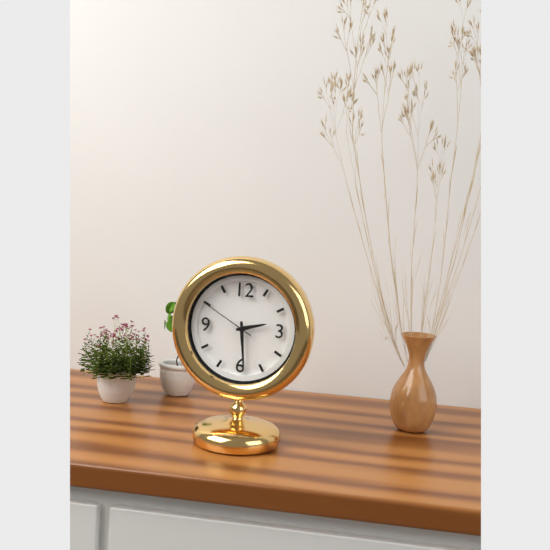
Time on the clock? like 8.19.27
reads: 2.29.50
